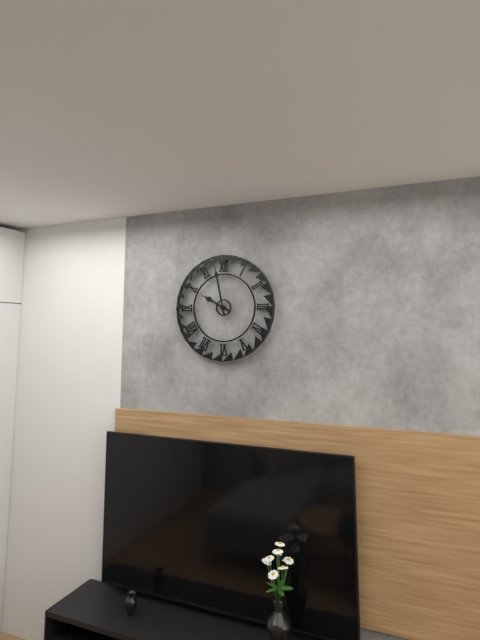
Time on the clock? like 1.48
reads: 9.58
